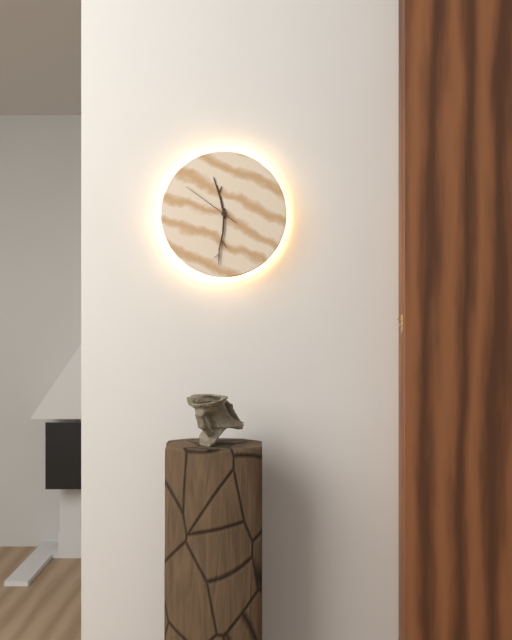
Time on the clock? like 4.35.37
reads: 11.31.51
